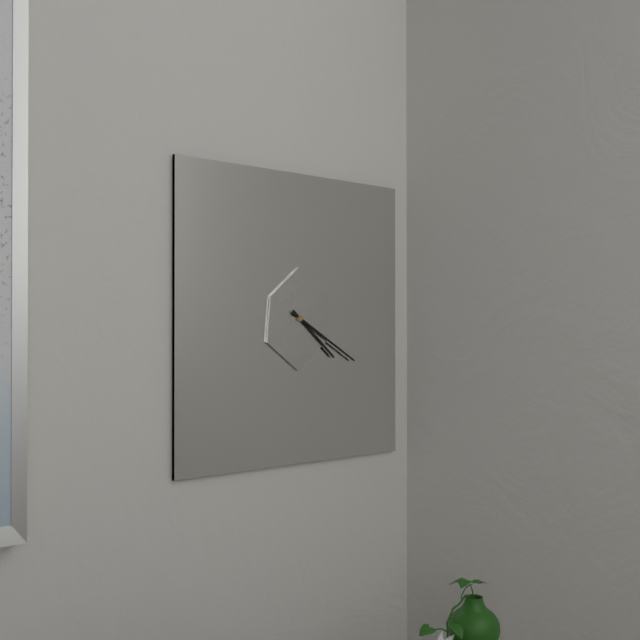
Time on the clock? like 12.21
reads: 4.20
